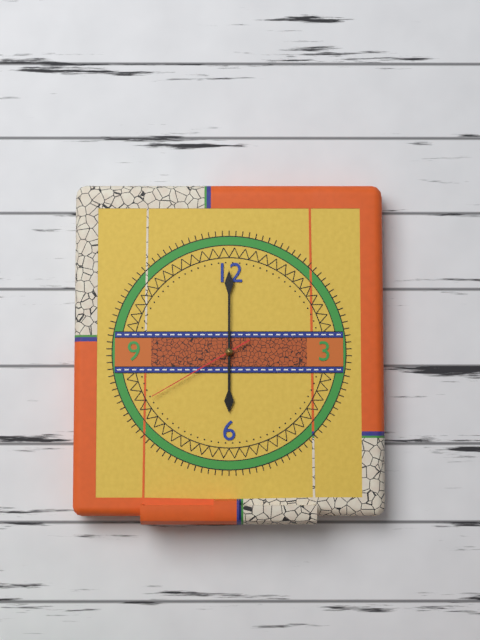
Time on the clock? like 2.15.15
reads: 6.00.40
